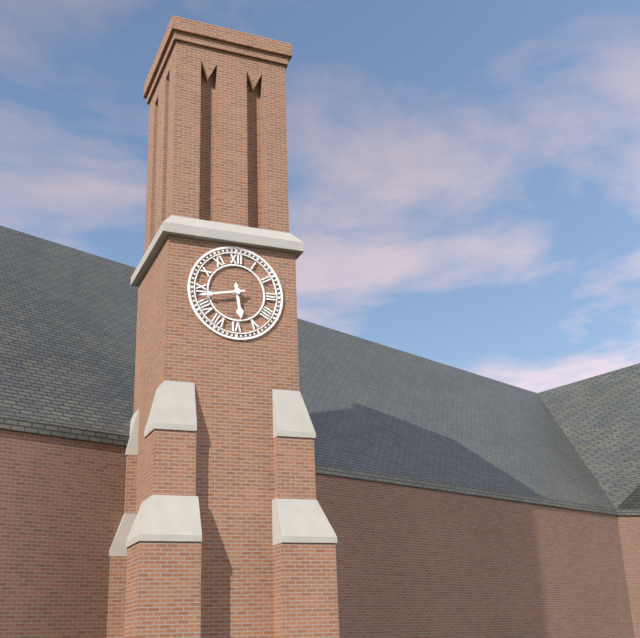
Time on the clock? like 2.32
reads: 5.43
